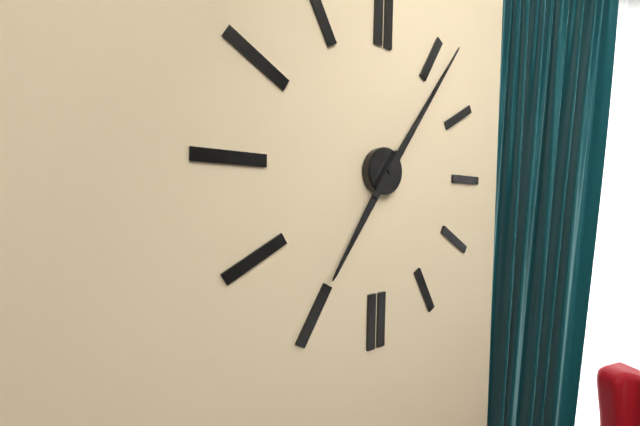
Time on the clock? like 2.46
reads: 7.06
